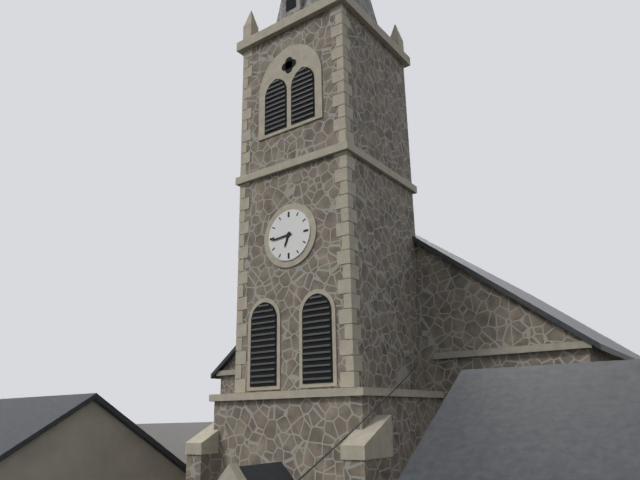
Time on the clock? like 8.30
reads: 6.44
